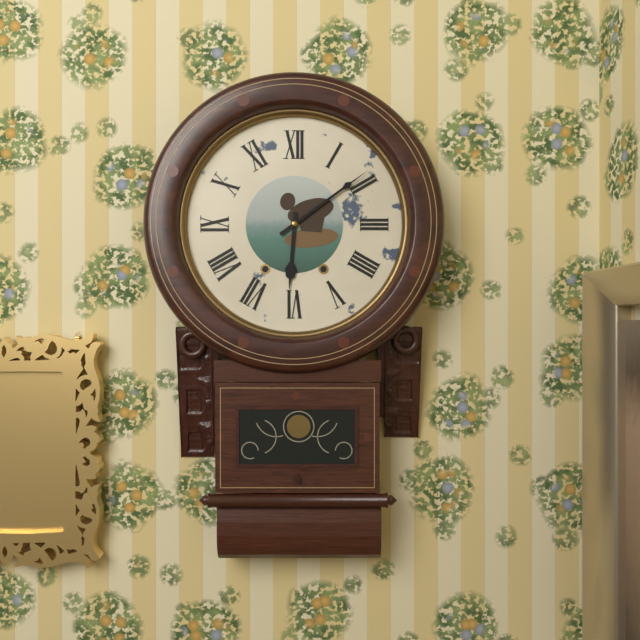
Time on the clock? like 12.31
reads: 6.09
